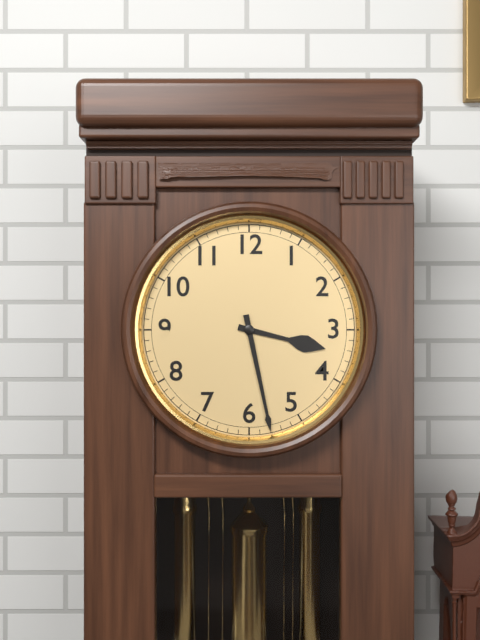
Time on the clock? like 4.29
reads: 3.28
